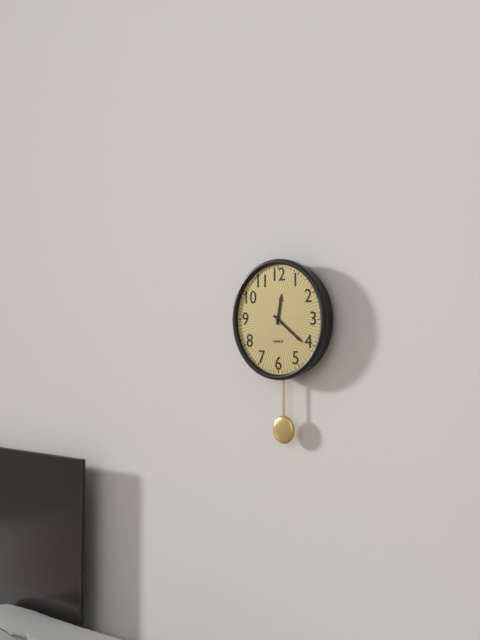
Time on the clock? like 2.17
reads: 12.21
